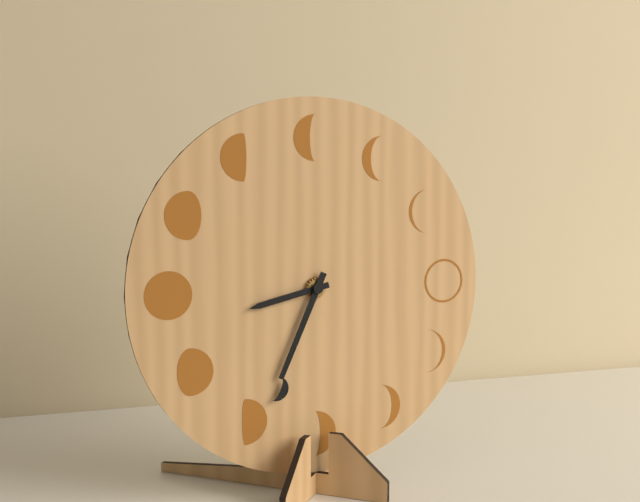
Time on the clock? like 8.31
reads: 8.34
